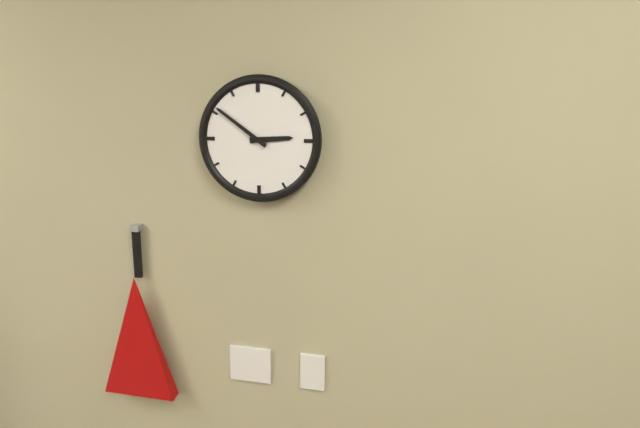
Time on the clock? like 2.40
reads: 2.51
